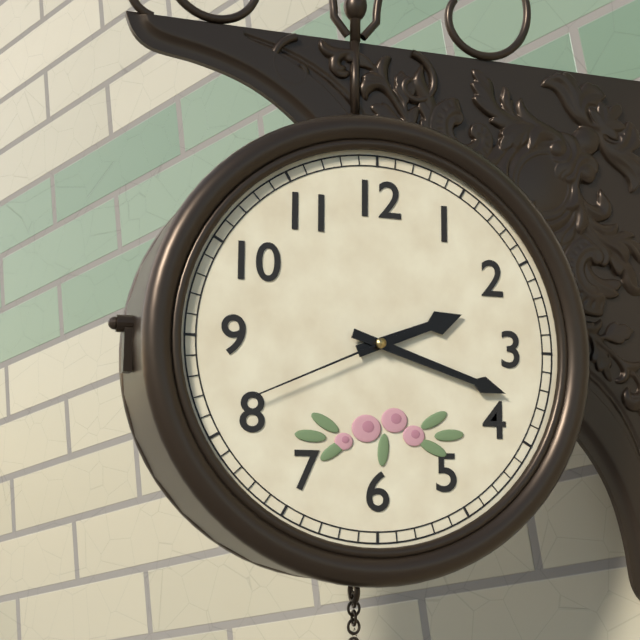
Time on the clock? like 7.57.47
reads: 2.18.41
